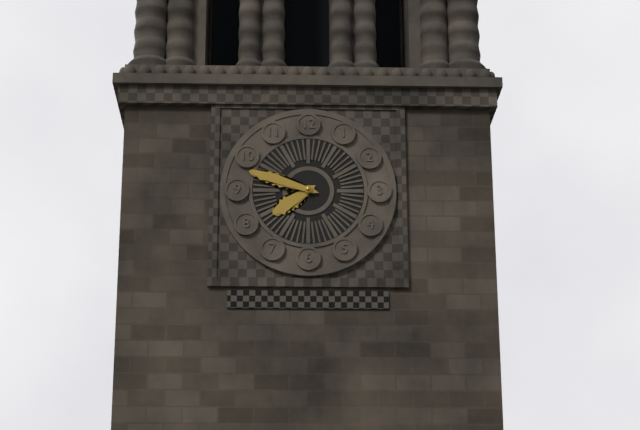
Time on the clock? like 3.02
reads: 7.48
